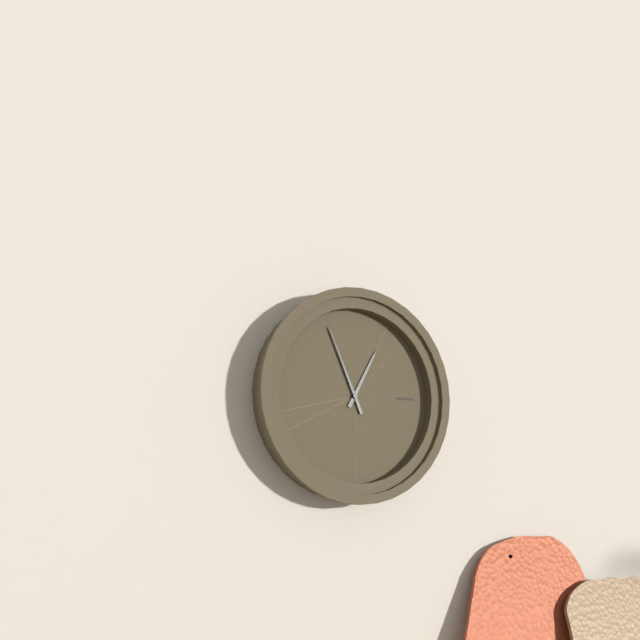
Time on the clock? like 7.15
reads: 12.56
